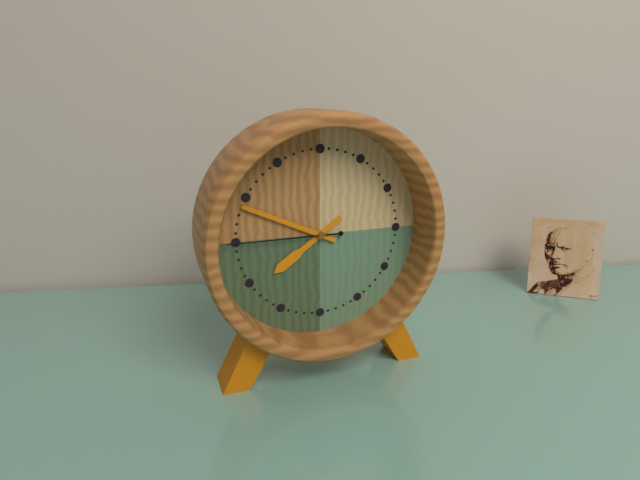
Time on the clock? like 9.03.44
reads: 7.49.45
